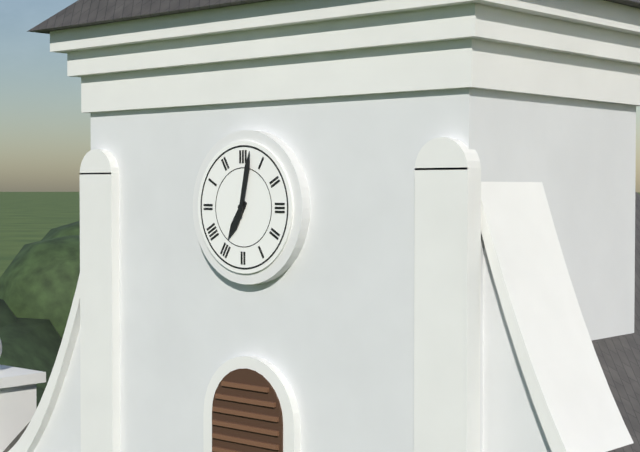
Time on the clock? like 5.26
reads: 7.02
